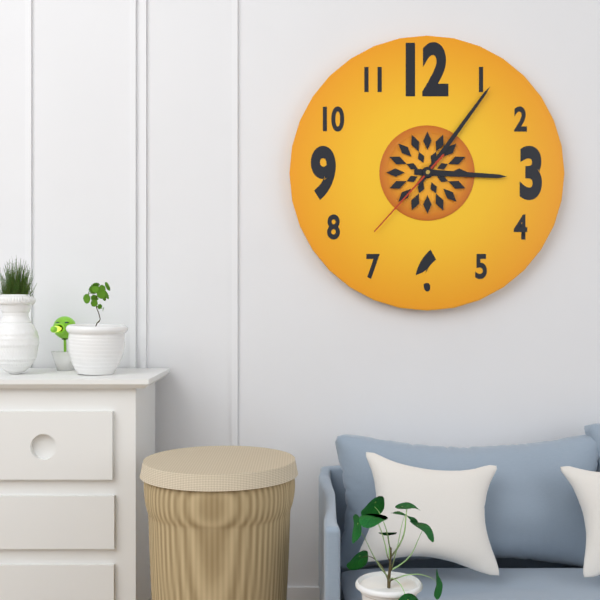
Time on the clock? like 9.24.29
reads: 3.06.37
